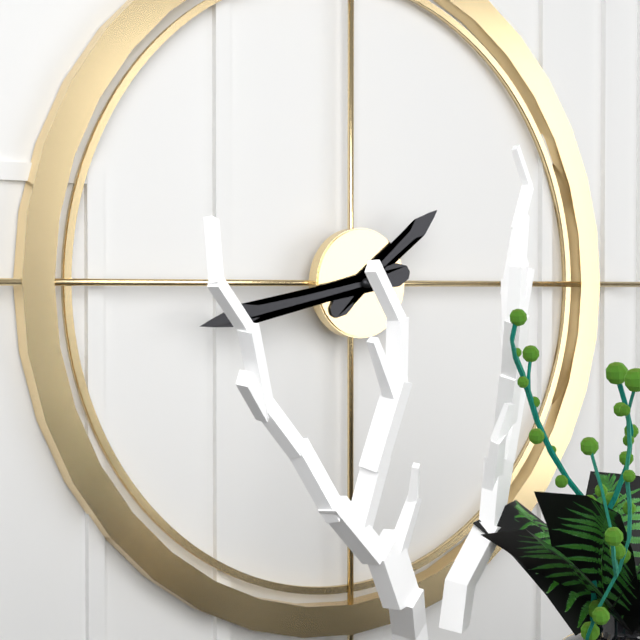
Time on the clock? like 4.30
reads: 1.43
